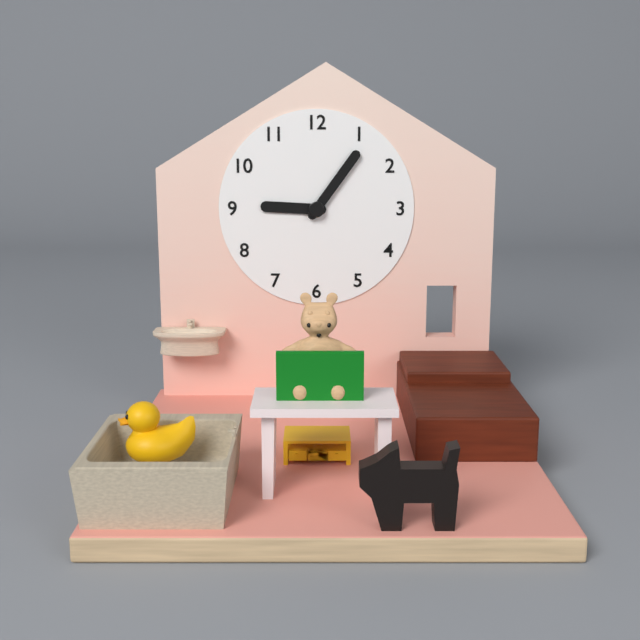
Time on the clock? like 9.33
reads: 9.06
